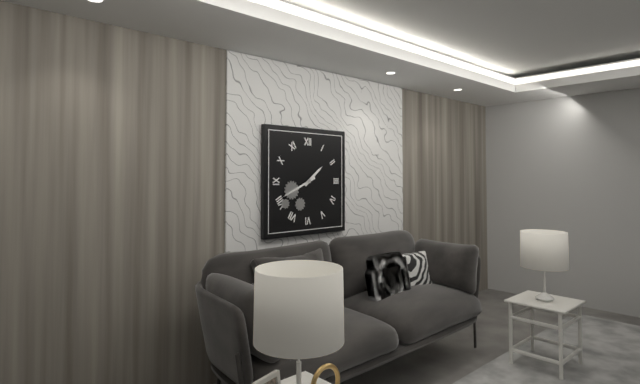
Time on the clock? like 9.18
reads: 1.41
